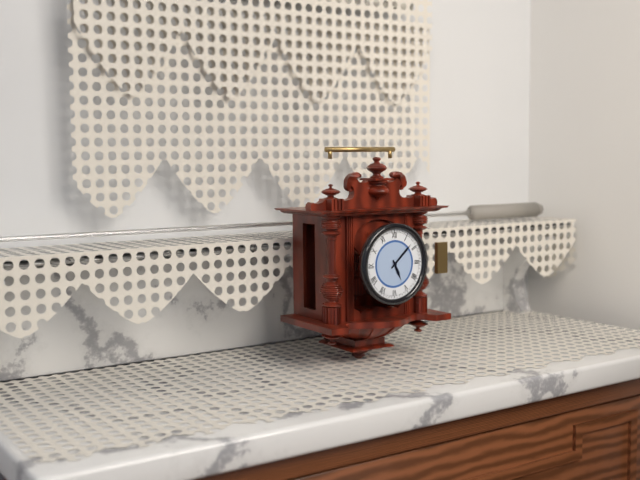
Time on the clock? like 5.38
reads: 5.08
